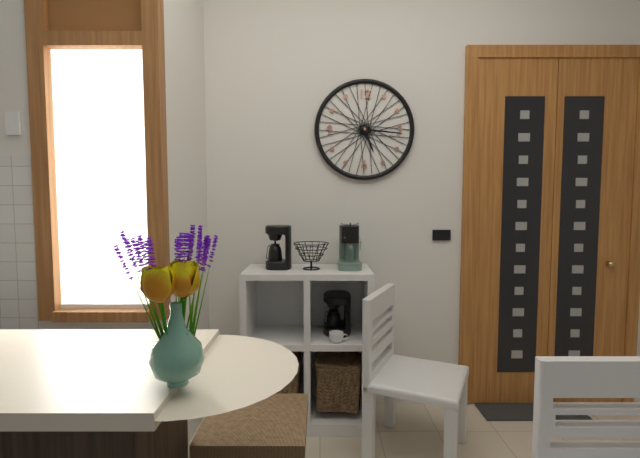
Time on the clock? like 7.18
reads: 5.16
